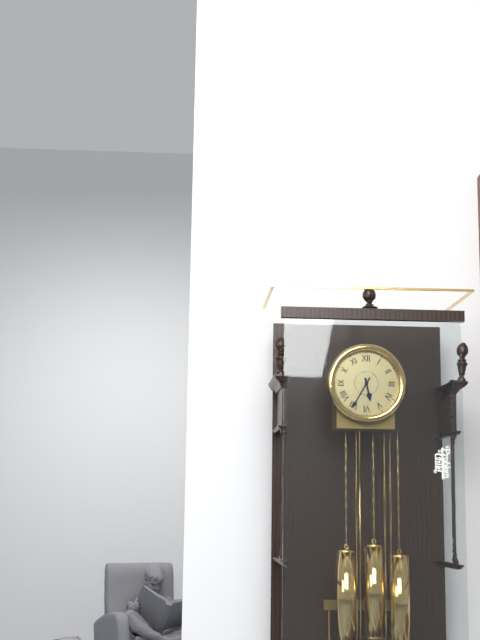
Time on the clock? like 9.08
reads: 5.35
